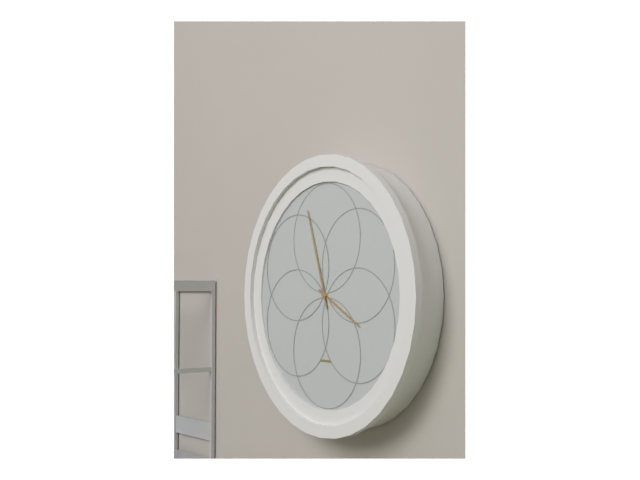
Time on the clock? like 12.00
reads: 3.57
